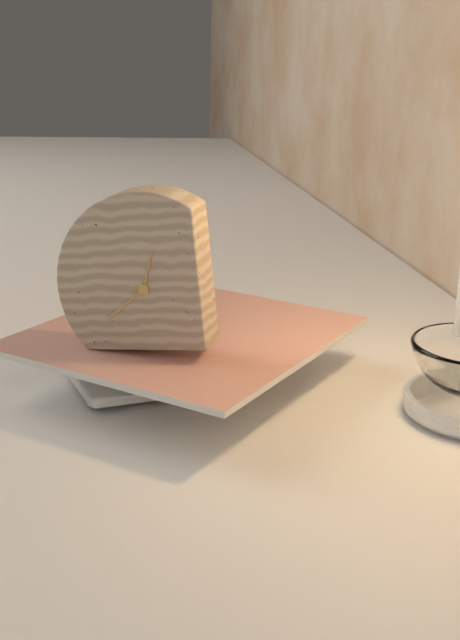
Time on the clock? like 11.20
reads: 12.39
